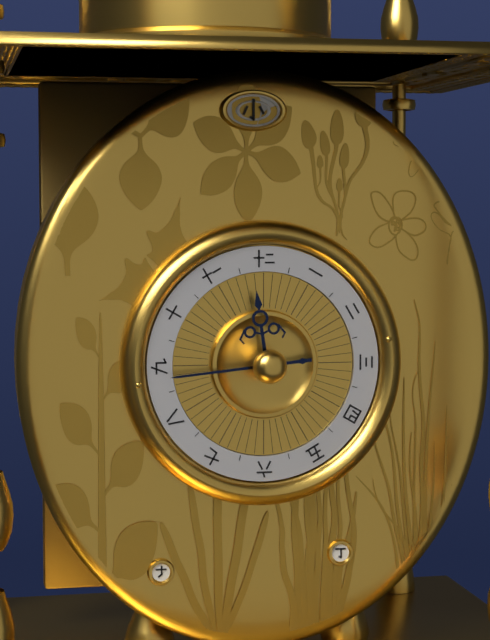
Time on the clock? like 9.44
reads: 11.44
